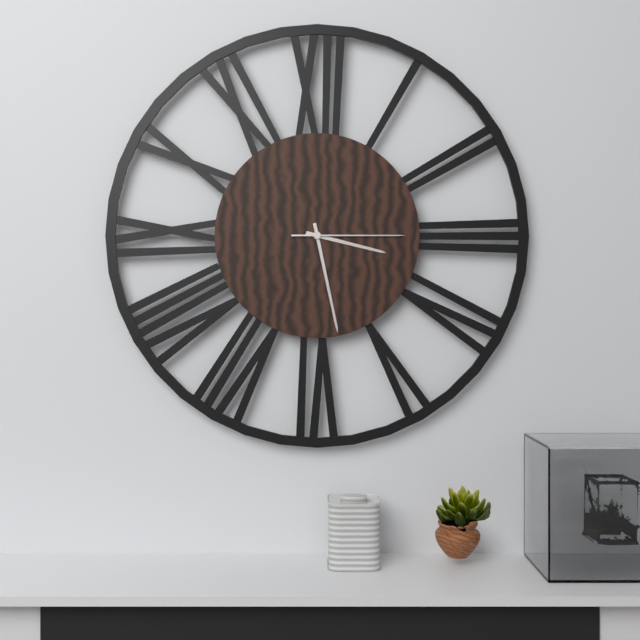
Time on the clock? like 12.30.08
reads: 3.28.15
